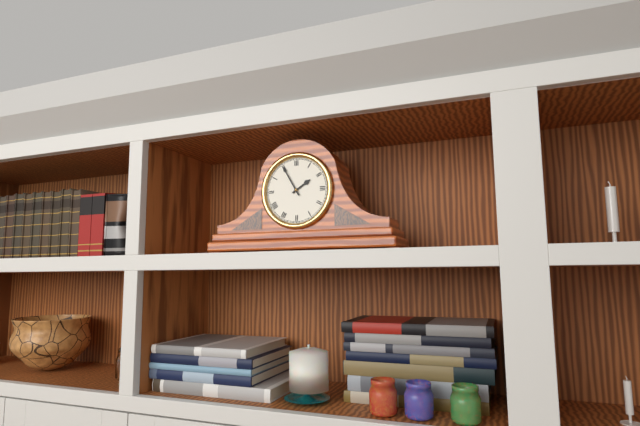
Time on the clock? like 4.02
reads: 1.55
